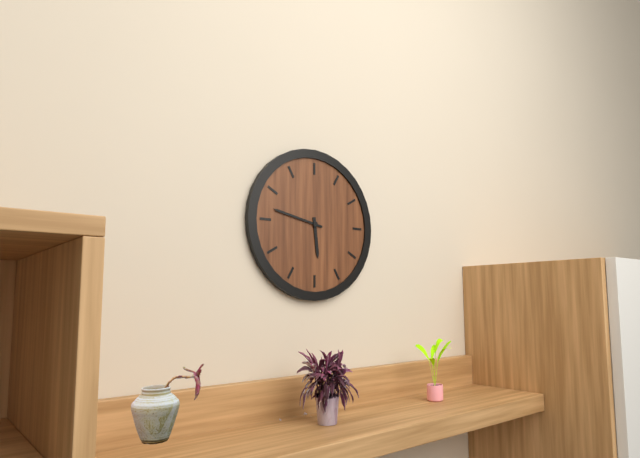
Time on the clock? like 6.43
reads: 5.47
